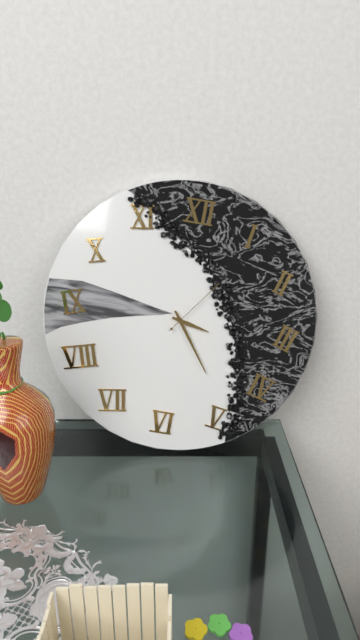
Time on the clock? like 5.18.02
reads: 3.24.06
